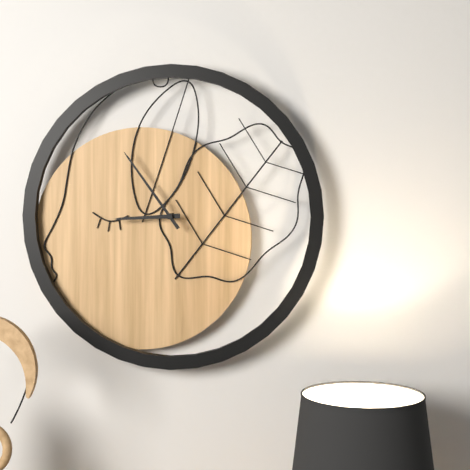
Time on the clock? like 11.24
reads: 8.54
